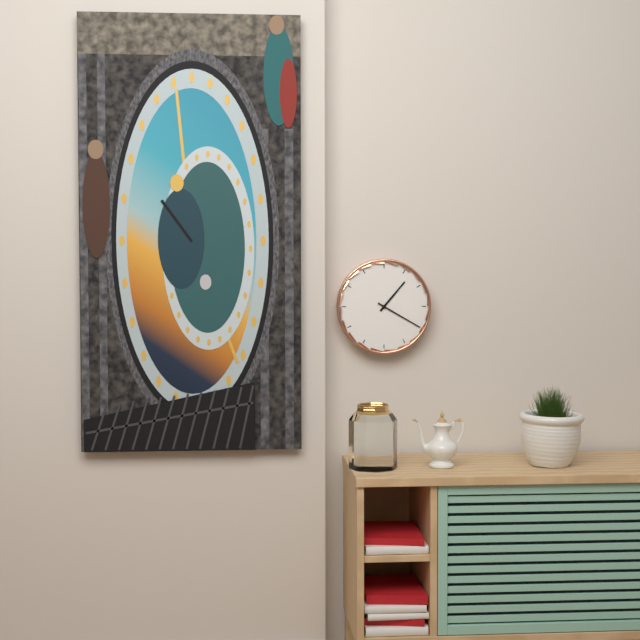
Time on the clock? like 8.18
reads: 1.20
